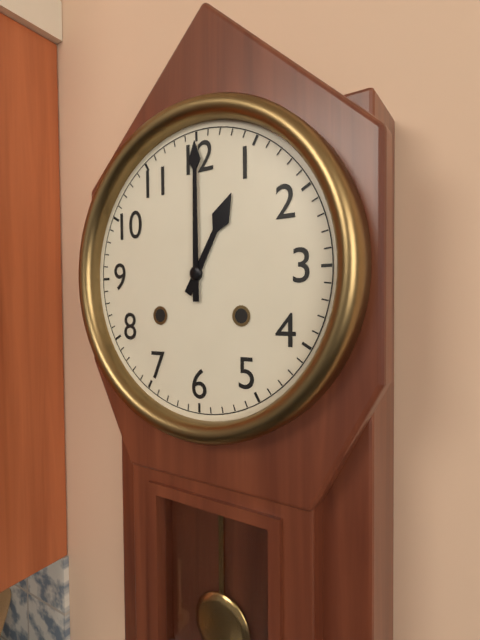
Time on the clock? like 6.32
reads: 1.00
